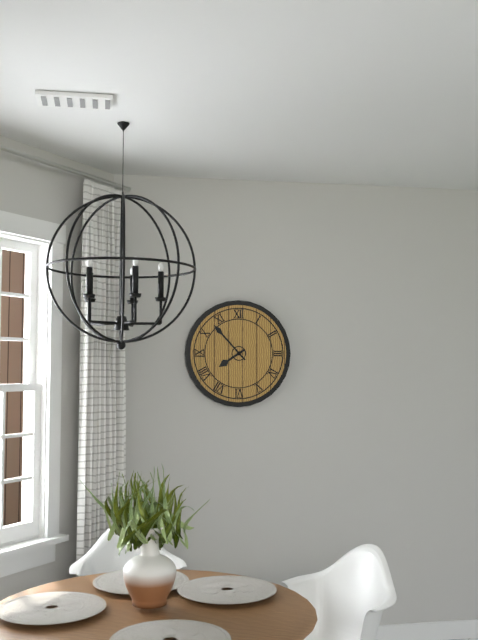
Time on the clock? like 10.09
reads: 7.53
